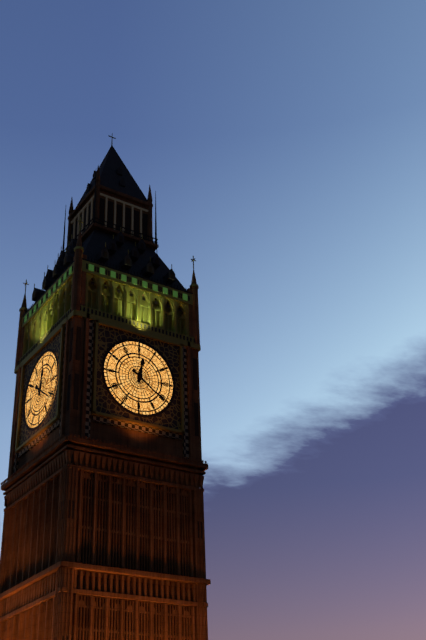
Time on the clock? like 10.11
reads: 12.21
